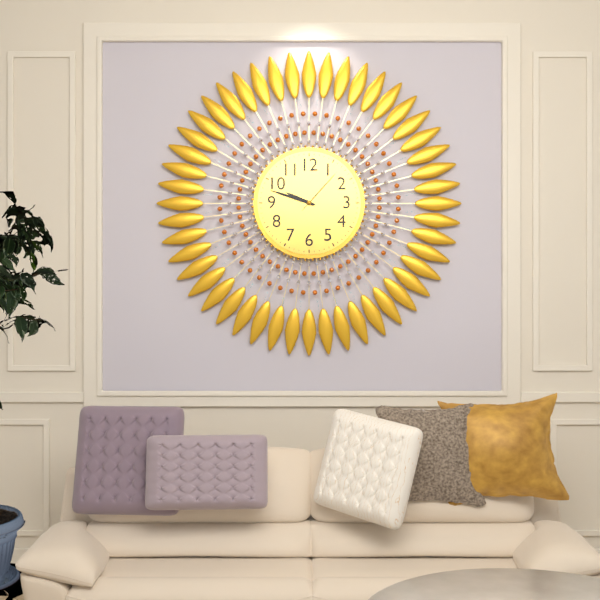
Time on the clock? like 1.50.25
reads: 9.48.07
